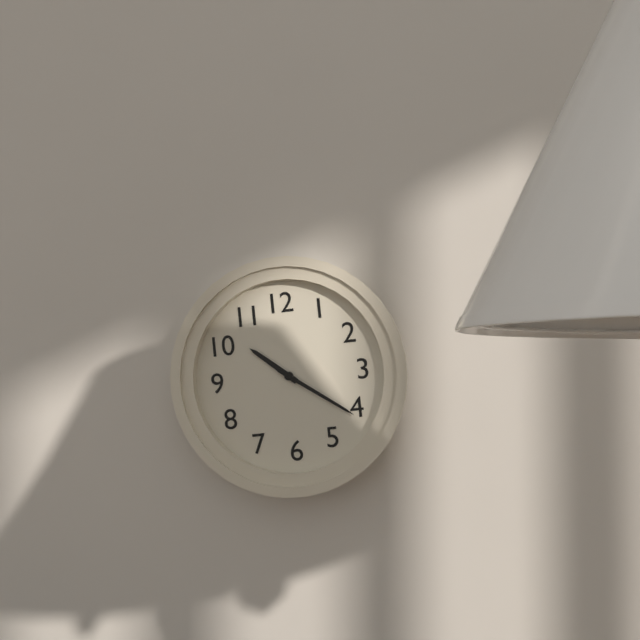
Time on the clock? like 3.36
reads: 10.21
